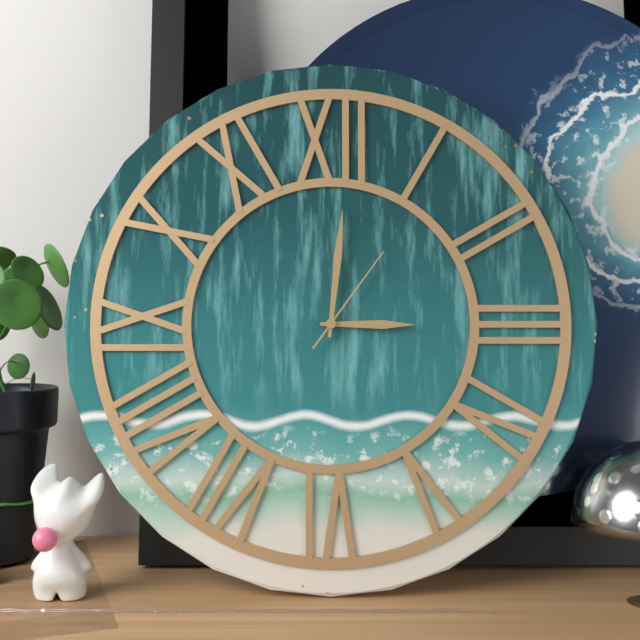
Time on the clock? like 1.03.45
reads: 3.01.06
